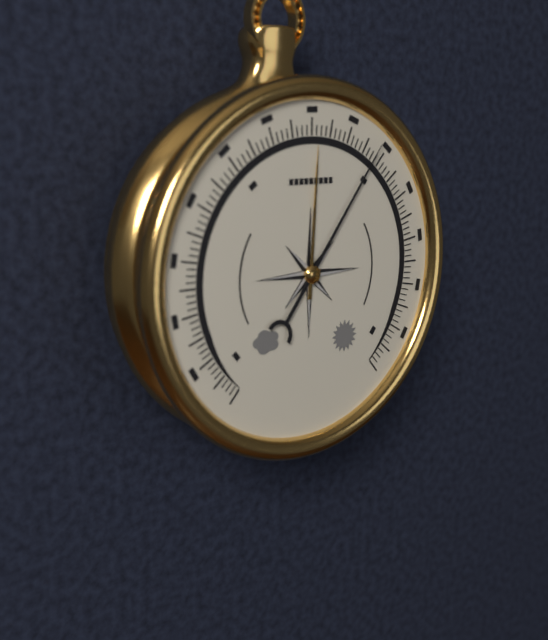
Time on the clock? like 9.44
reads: 12.06
